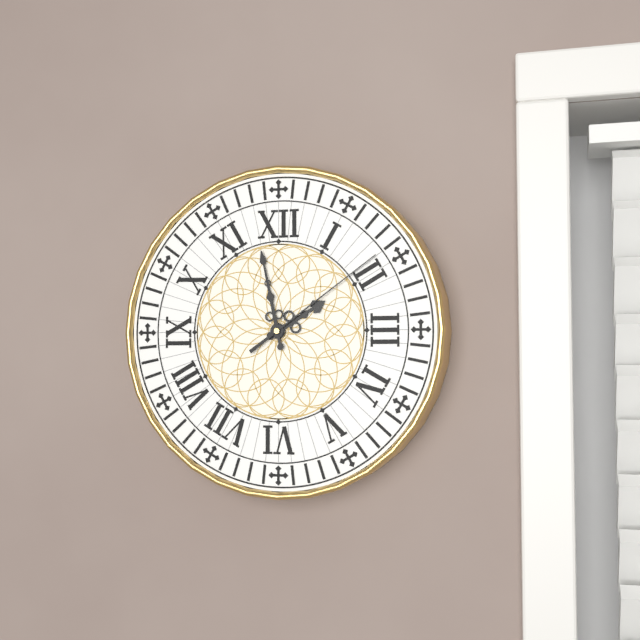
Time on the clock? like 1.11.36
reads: 1.58.09
